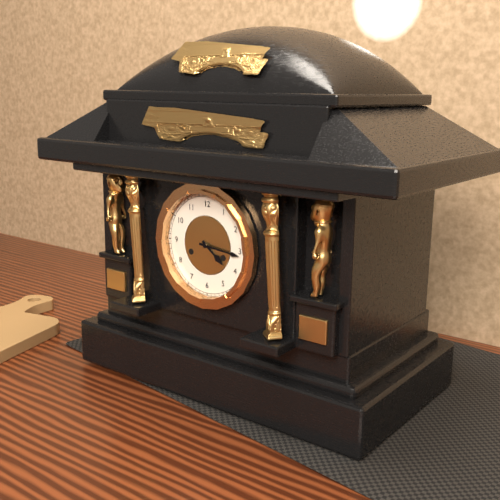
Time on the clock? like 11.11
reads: 4.16
